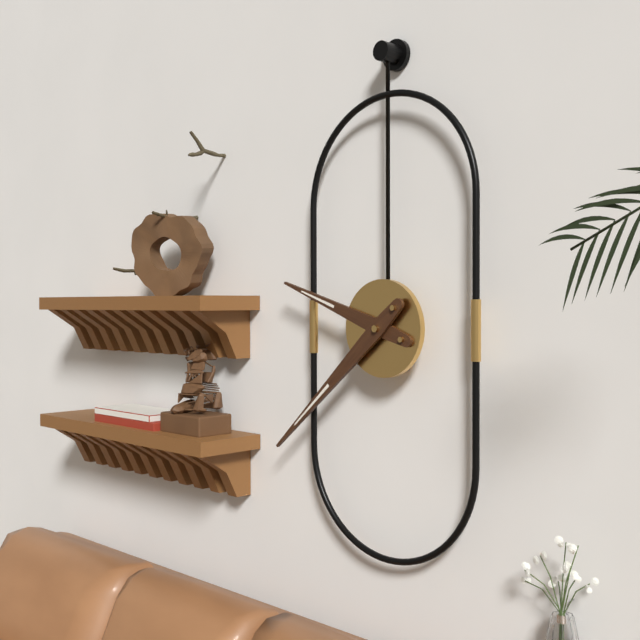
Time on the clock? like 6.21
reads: 9.38
